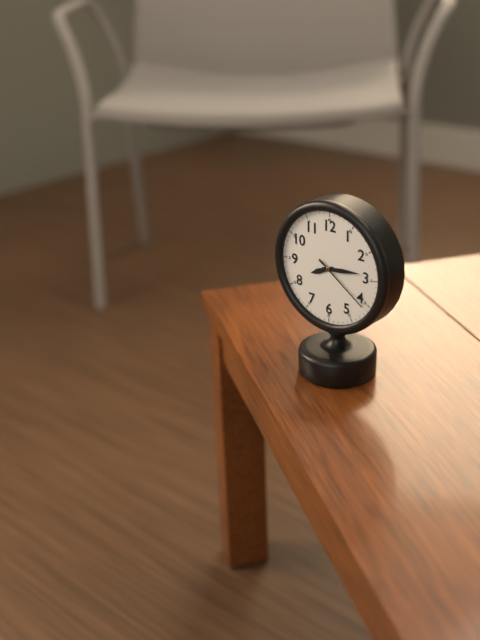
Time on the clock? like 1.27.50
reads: 8.14.21
